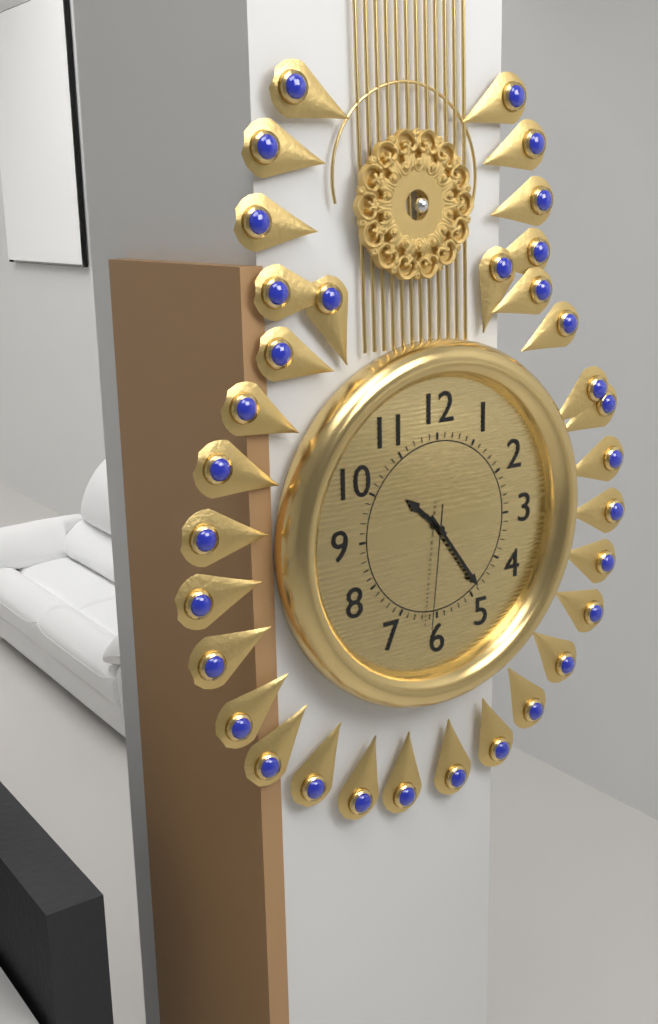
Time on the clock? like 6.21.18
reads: 10.24.31
